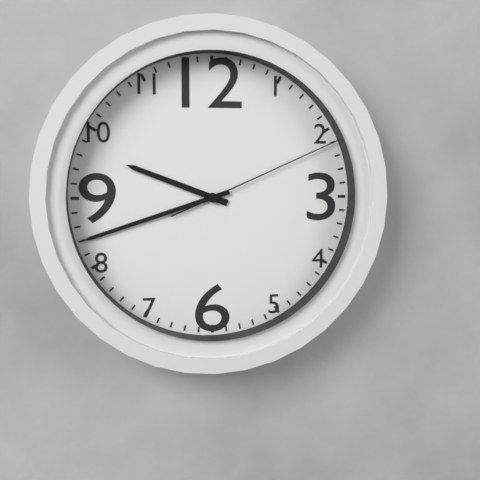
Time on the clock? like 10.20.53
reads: 9.42.11
